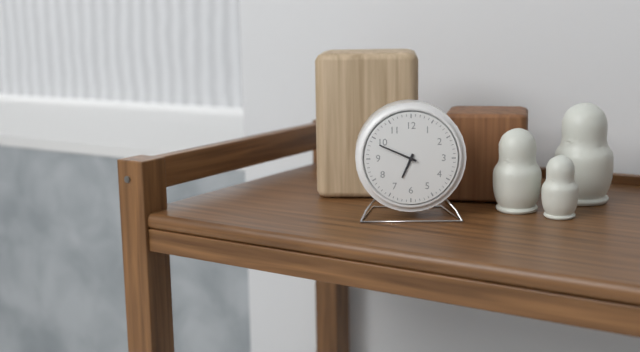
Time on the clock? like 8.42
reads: 6.49
